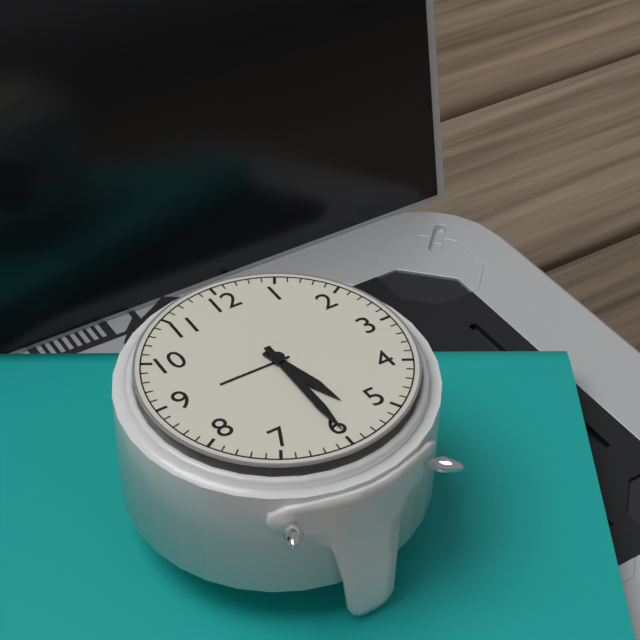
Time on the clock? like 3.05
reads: 5.30
